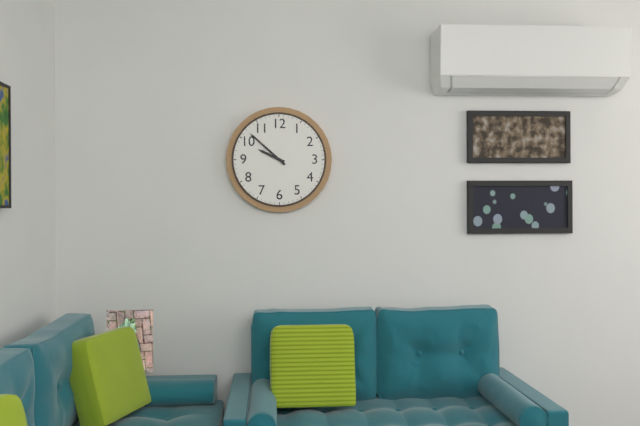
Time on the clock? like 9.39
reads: 9.52
